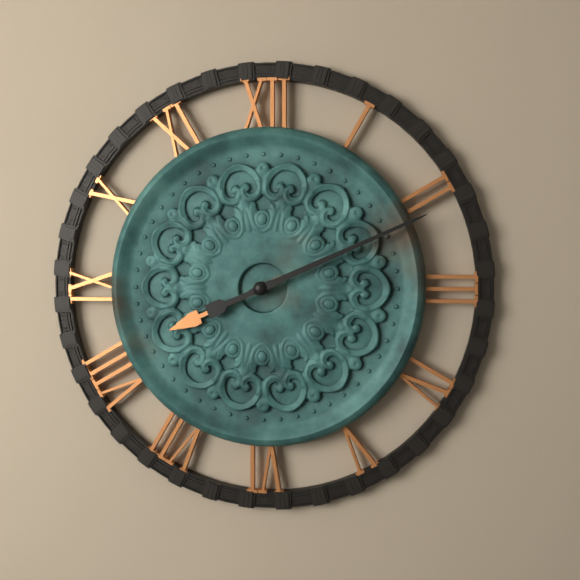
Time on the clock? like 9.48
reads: 8.11
